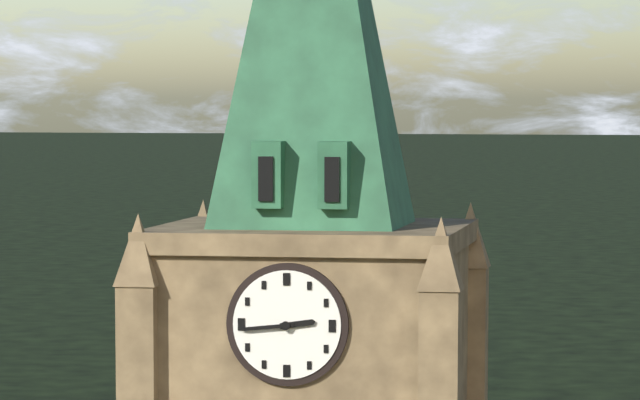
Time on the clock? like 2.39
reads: 2.44
